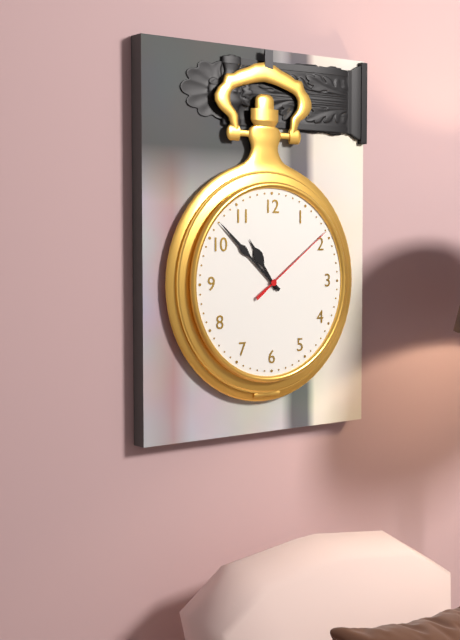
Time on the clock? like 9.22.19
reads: 10.52.09
